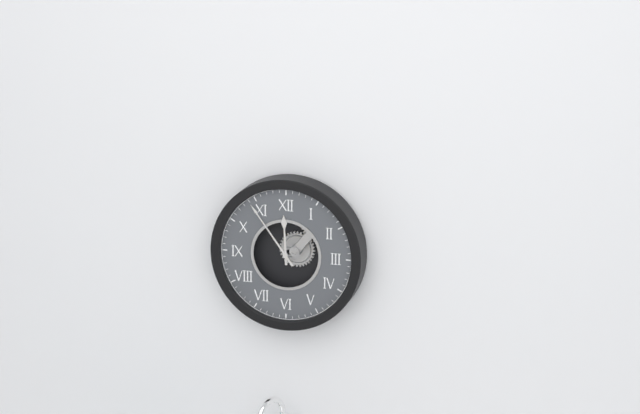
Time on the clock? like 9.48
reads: 11.54
